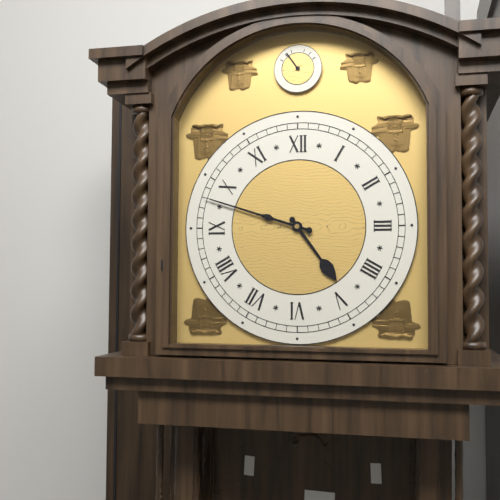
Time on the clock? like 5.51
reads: 4.48
